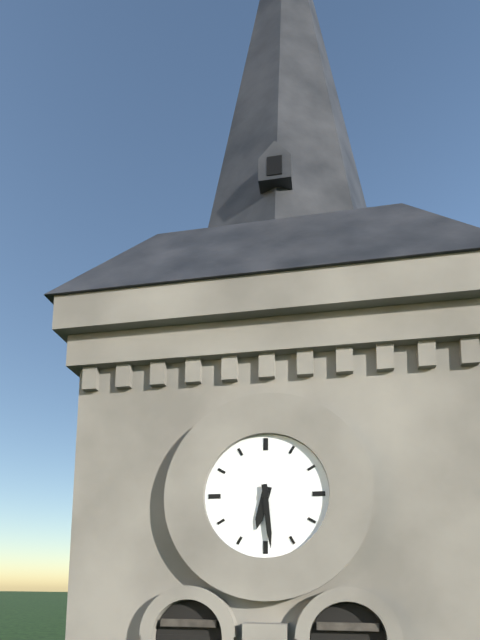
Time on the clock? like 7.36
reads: 6.29
